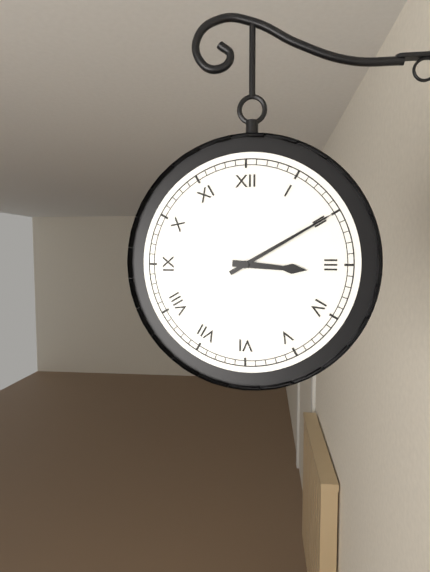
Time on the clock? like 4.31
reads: 3.10
